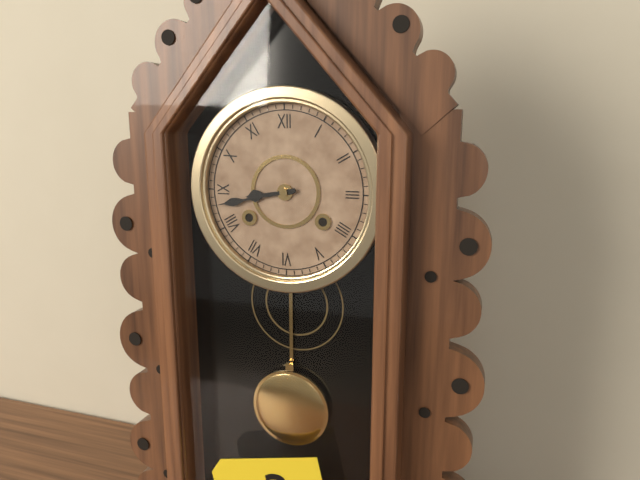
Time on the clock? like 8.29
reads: 8.43
